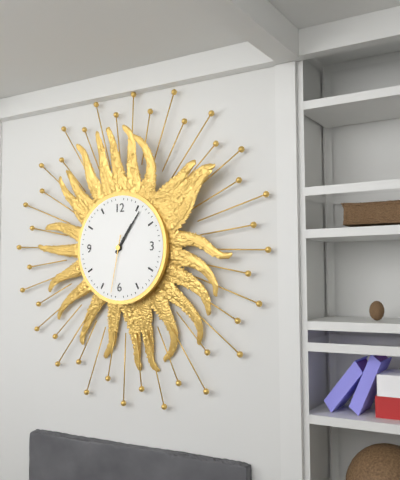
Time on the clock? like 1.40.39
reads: 1.06.32
